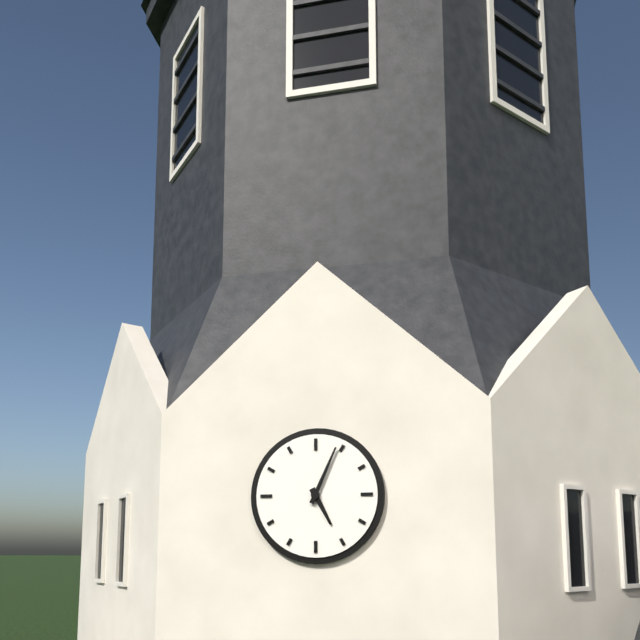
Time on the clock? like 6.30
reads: 5.04
